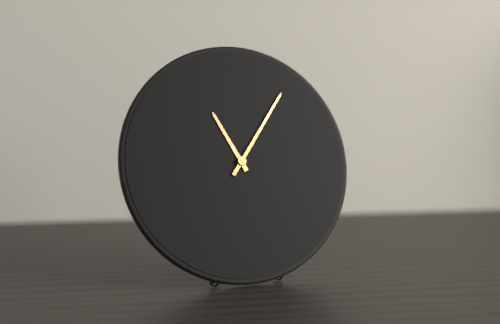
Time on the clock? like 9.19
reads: 11.06
